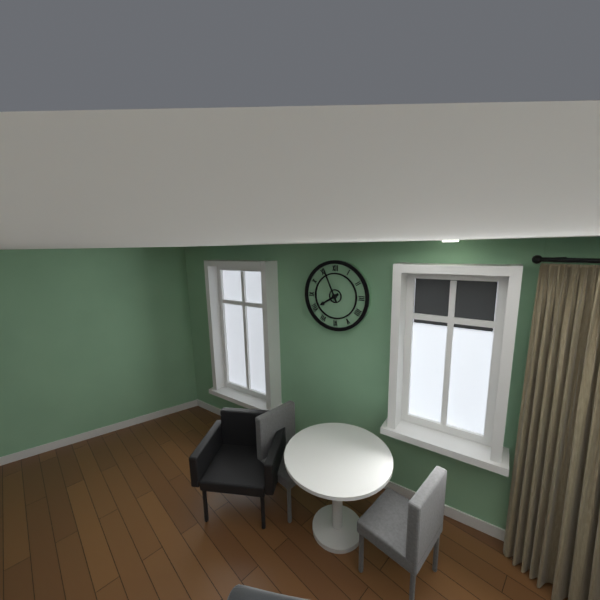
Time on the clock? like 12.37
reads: 7.56
